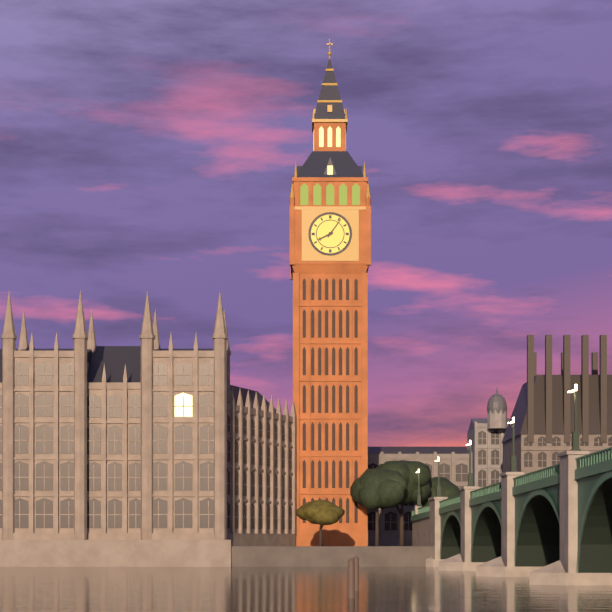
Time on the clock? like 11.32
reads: 8.06
